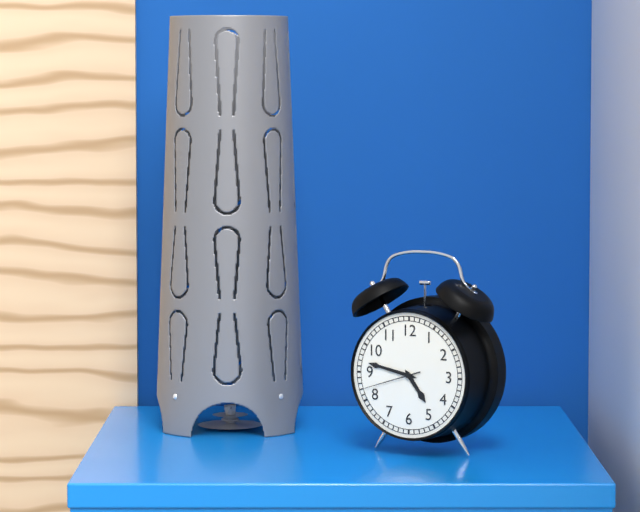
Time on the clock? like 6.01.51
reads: 4.47.42
